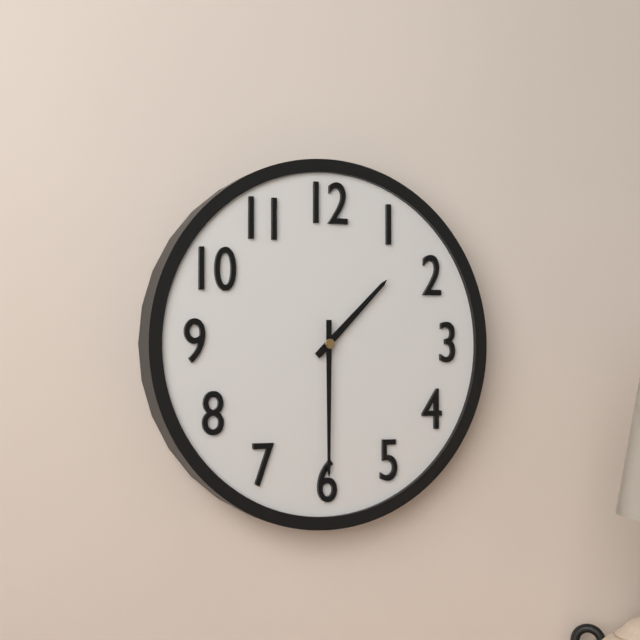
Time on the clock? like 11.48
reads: 1.30
